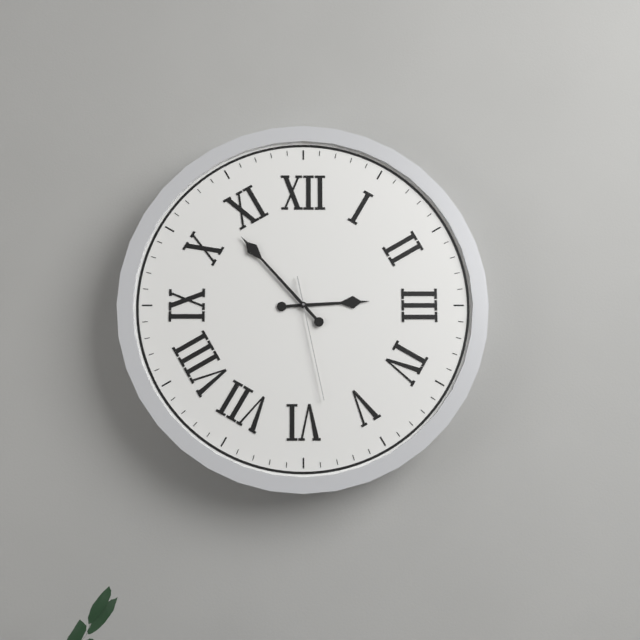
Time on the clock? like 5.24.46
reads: 2.53.28
